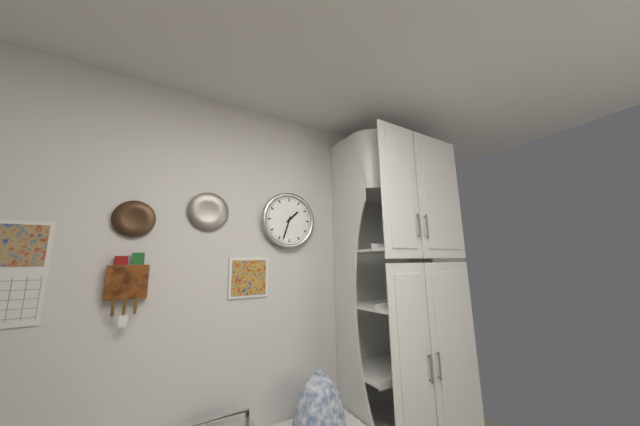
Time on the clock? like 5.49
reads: 1.33
